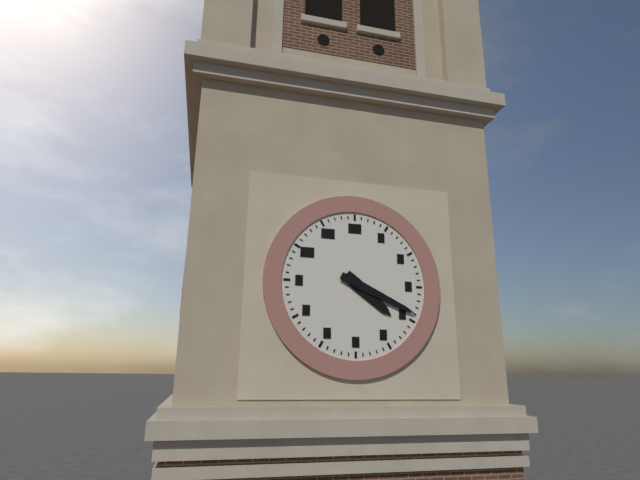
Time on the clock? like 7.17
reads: 4.19
